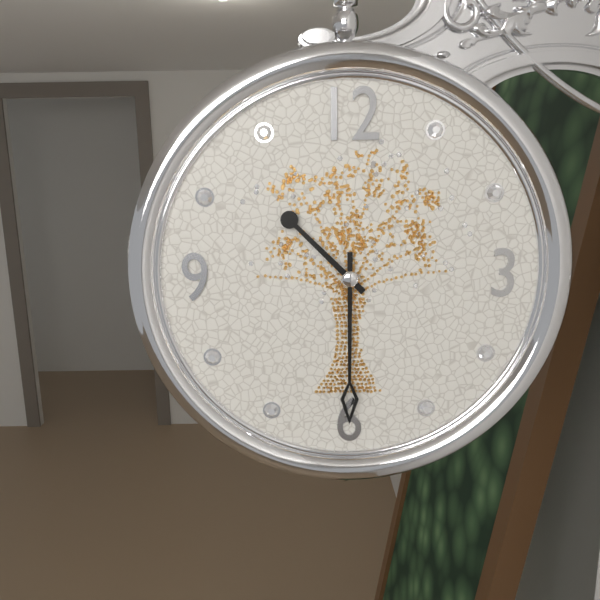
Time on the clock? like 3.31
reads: 10.30
